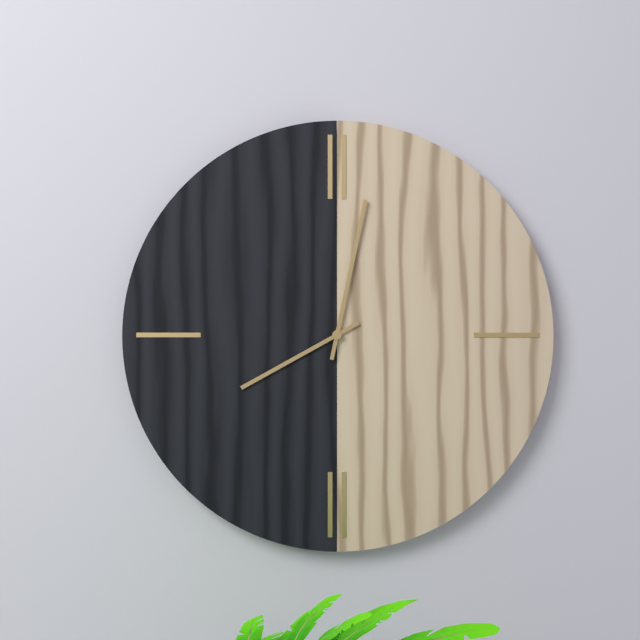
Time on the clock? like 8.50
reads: 8.02
